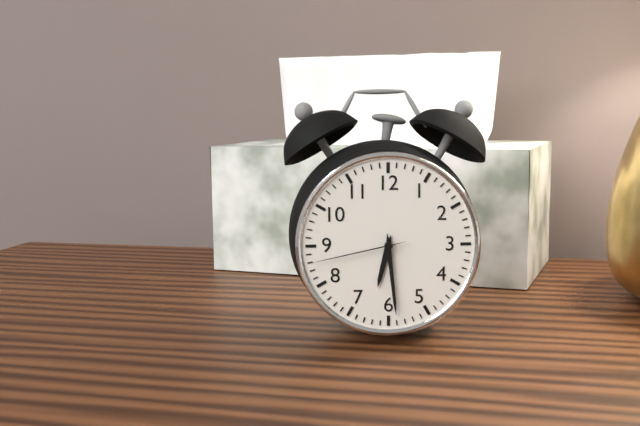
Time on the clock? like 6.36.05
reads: 6.29.43
